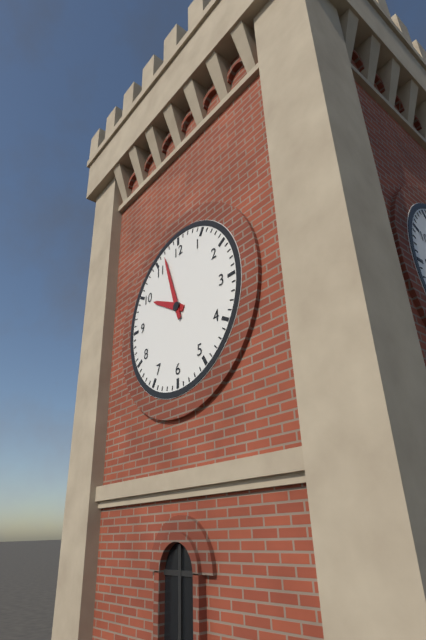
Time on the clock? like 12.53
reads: 9.57
